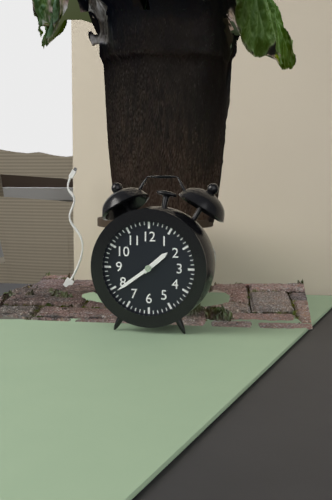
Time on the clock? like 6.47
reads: 1.39
